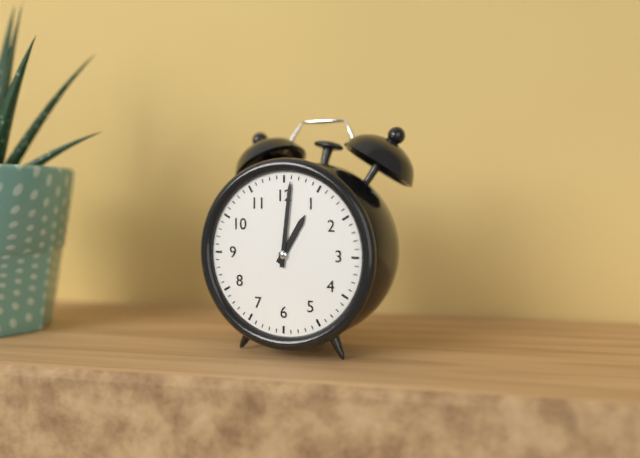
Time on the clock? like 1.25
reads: 1.01
